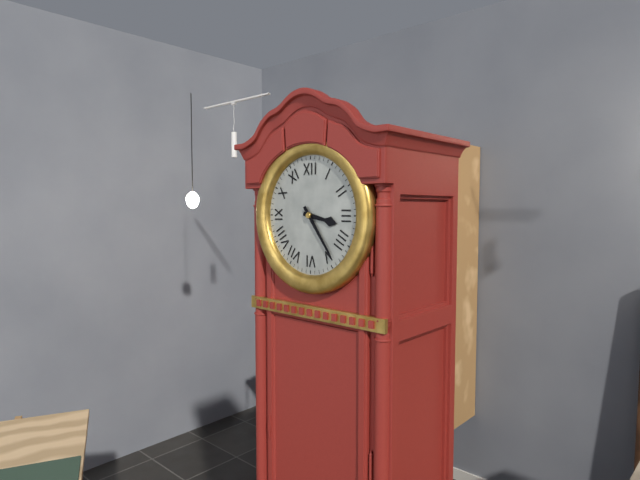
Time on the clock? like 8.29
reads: 3.24
